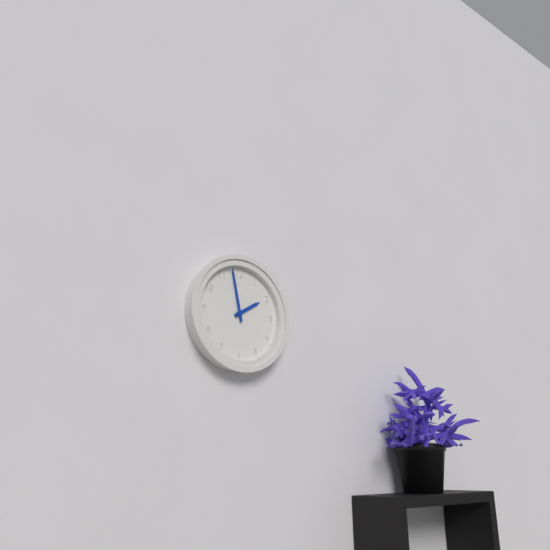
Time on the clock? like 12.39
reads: 1.58
